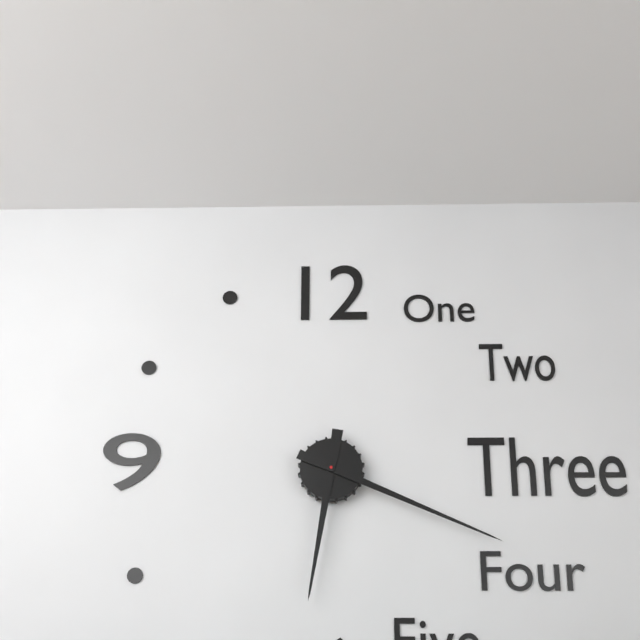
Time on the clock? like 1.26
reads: 6.19
